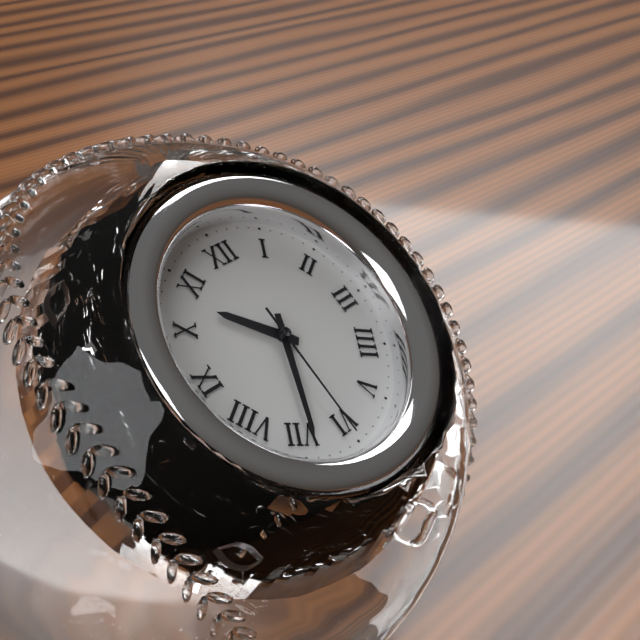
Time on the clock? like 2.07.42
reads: 10.34.30
